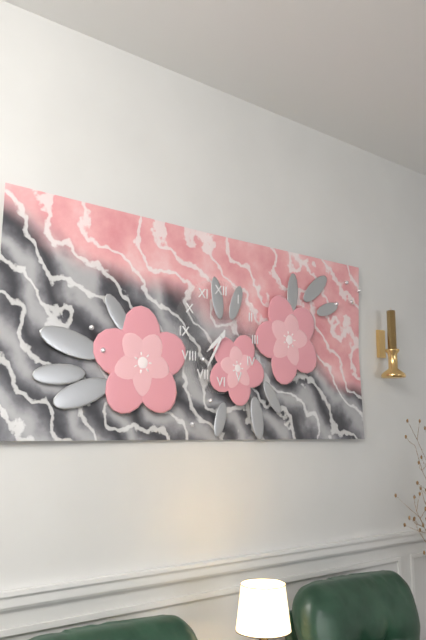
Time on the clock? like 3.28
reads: 7.35
